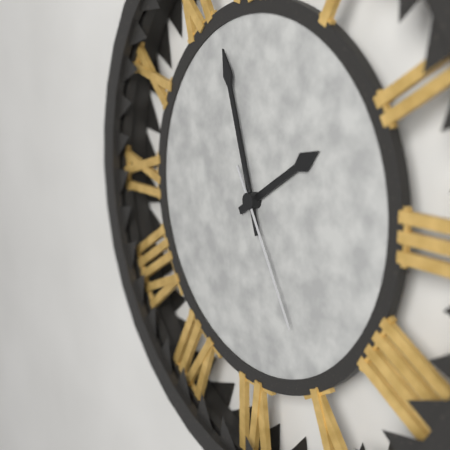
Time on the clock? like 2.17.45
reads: 1.57.25
